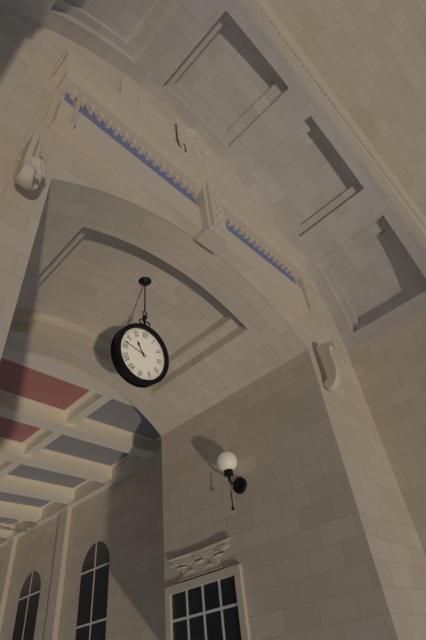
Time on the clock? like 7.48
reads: 10.47
